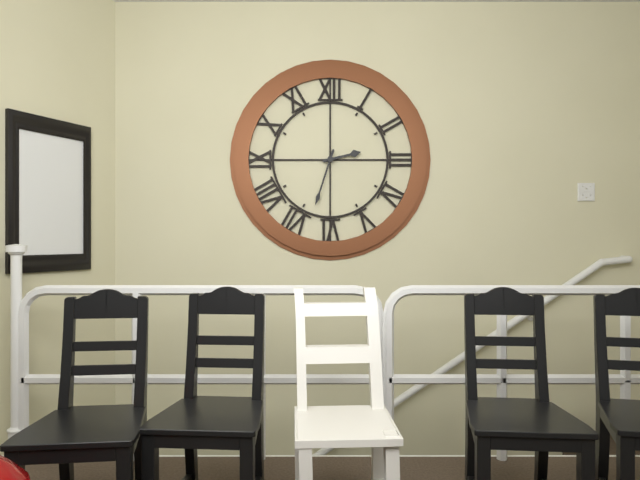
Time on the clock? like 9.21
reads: 2.33
